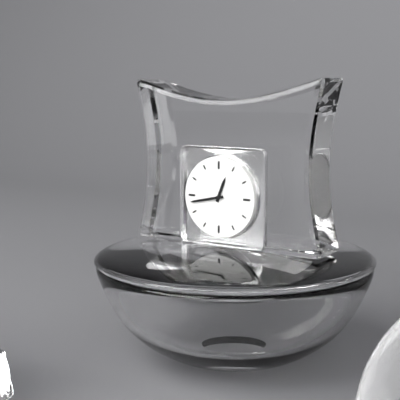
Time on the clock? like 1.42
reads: 12.43
